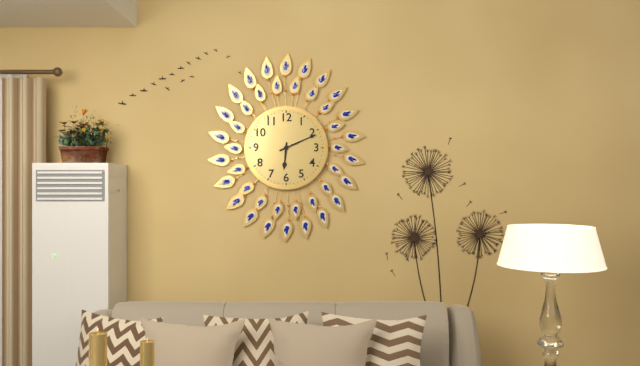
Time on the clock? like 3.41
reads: 6.11
